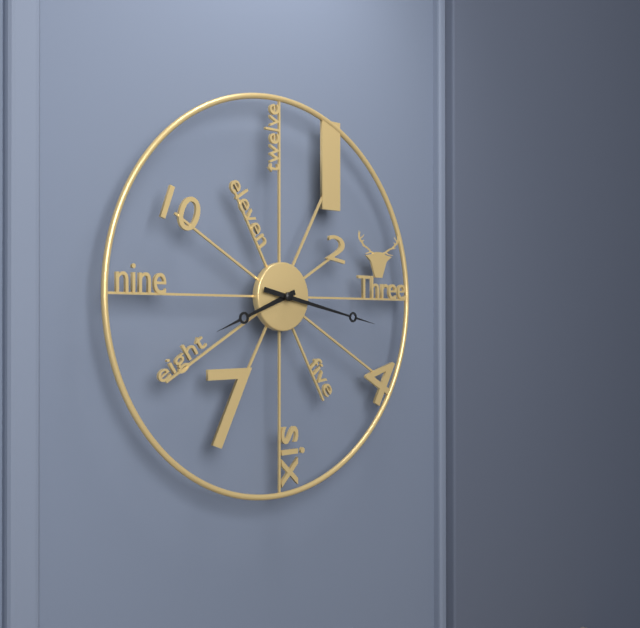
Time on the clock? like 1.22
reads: 8.17
